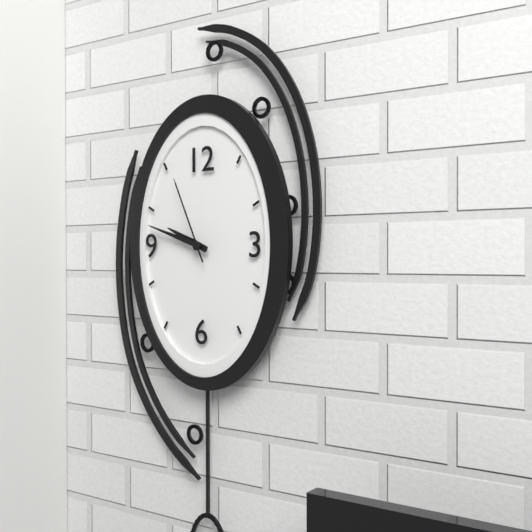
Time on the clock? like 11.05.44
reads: 9.48.56
